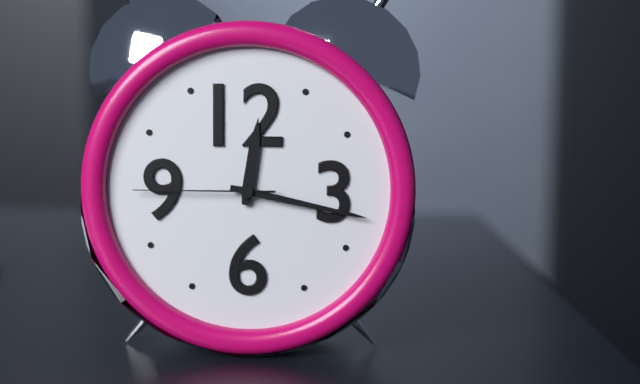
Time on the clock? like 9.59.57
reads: 12.17.45
